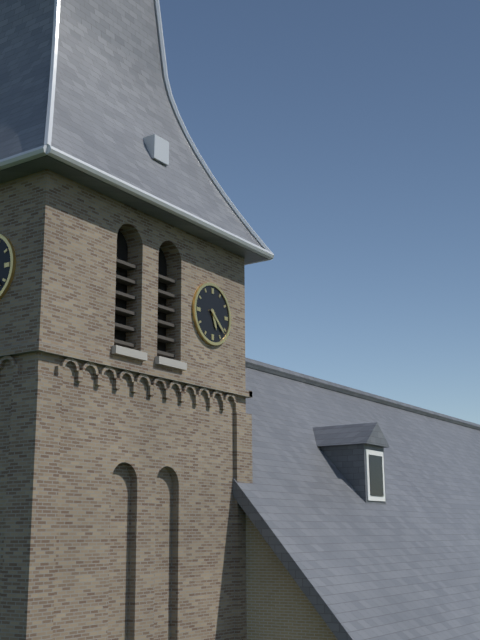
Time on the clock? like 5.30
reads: 5.22
